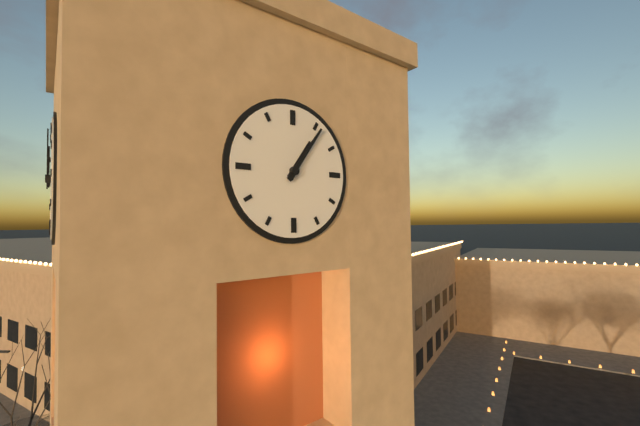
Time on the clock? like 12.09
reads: 1.06
